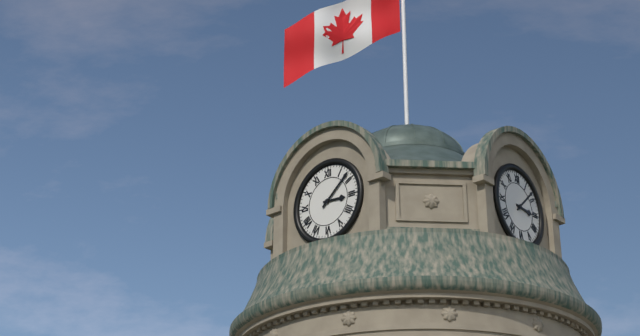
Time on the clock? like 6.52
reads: 3.08
